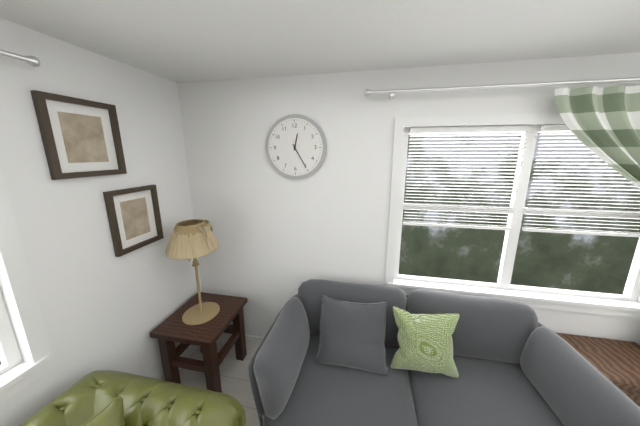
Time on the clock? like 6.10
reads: 12.25
